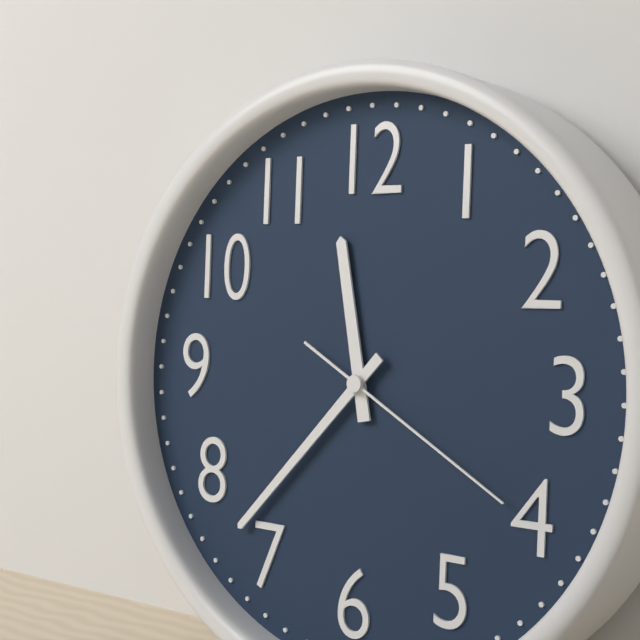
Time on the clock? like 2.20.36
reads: 11.37.20
